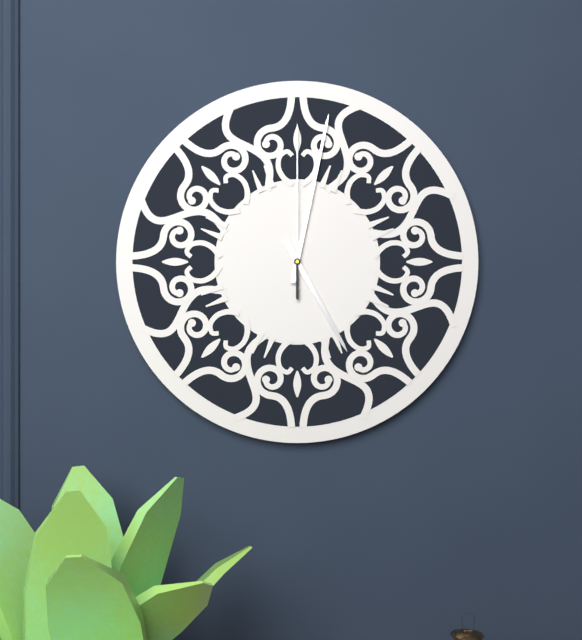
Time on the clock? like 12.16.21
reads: 5.02.00
